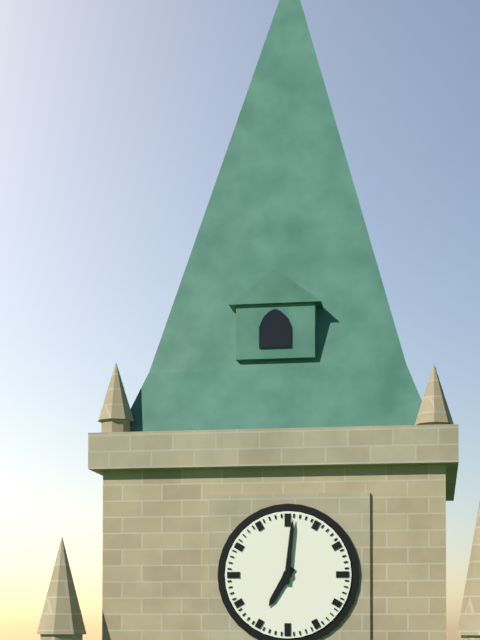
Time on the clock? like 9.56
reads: 7.01
